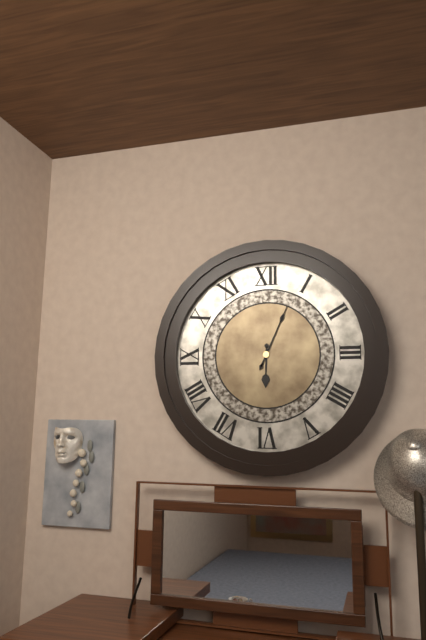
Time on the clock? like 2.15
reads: 6.04
